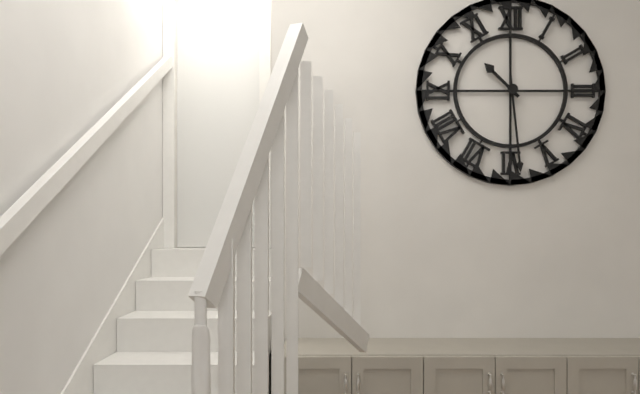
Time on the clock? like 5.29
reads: 10.29
